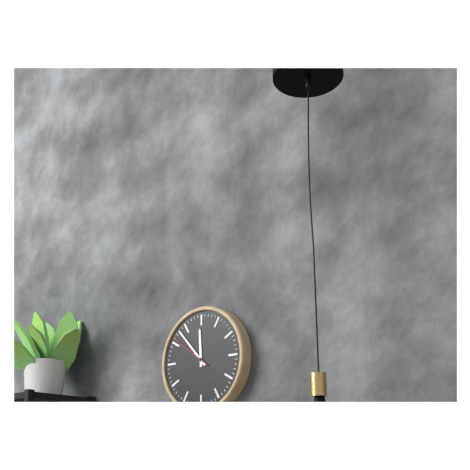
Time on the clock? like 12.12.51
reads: 11.53.51
